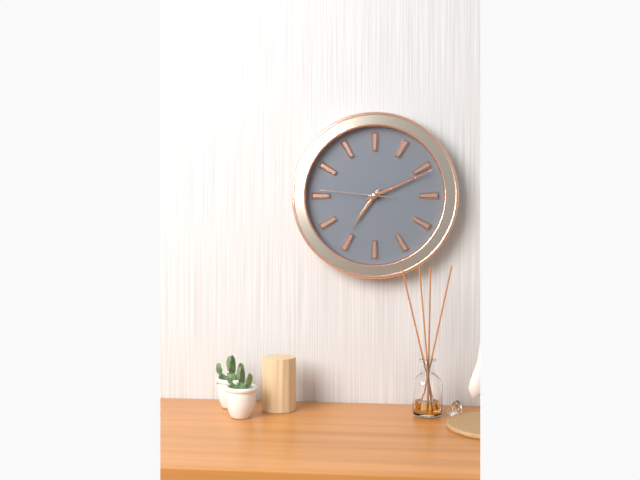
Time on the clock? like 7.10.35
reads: 7.11.46
